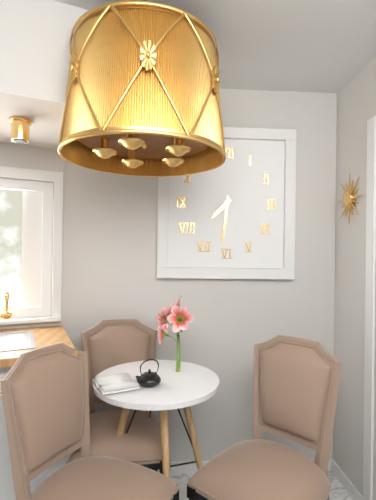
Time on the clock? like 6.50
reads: 7.31
